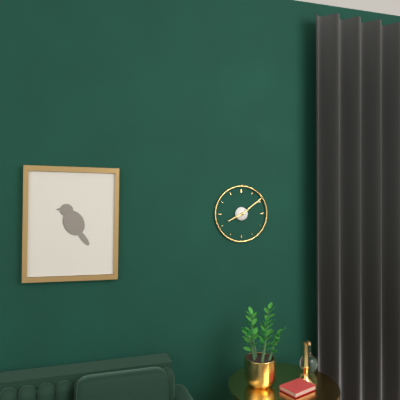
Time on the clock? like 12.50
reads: 8.09
